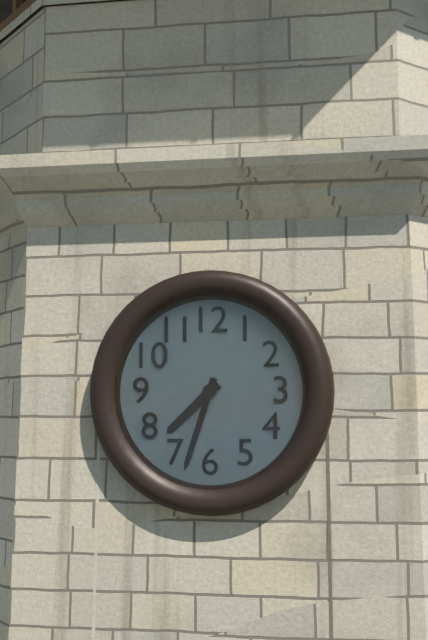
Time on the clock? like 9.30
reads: 7.33
